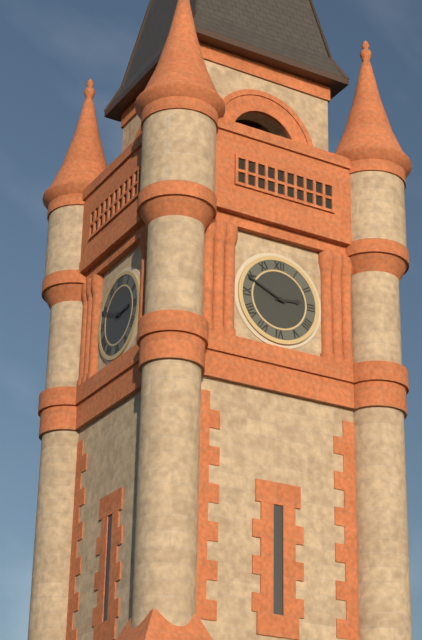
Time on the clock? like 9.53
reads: 2.49
